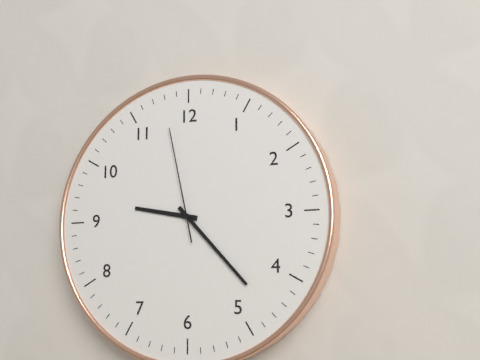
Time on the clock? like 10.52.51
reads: 9.23.58
